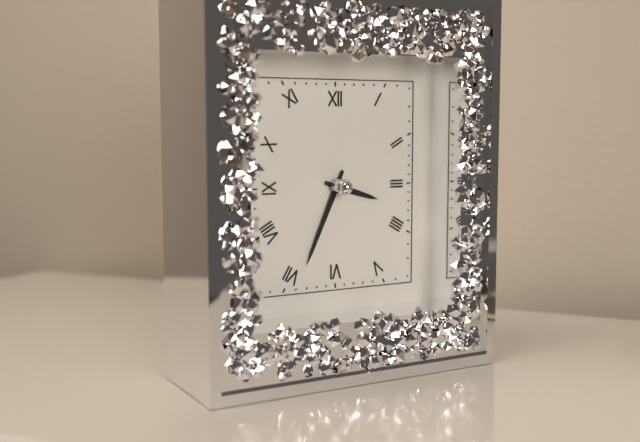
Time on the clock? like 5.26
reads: 3.34
